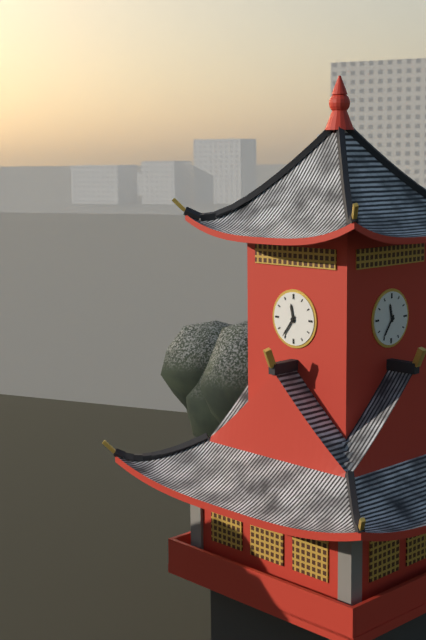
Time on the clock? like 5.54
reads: 11.36
